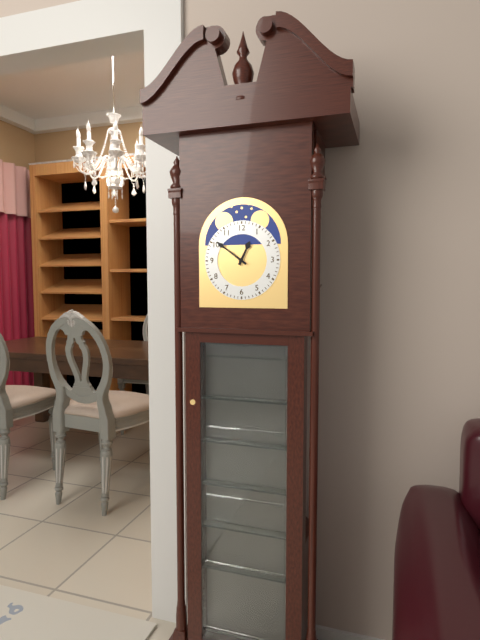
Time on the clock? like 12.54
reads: 12.51
